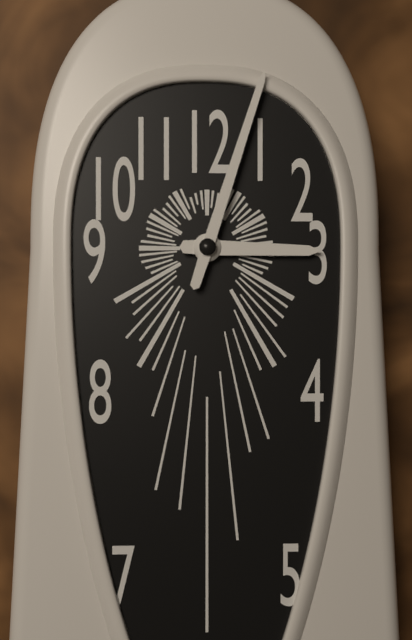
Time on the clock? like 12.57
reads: 3.03
